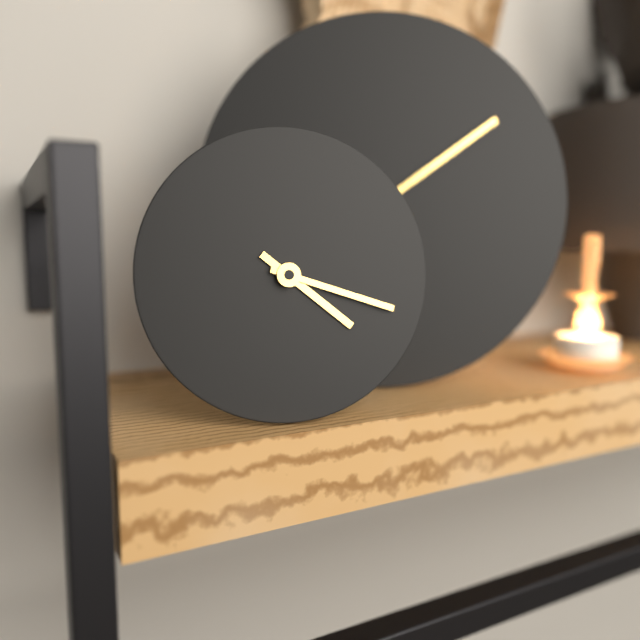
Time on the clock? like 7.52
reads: 4.18
